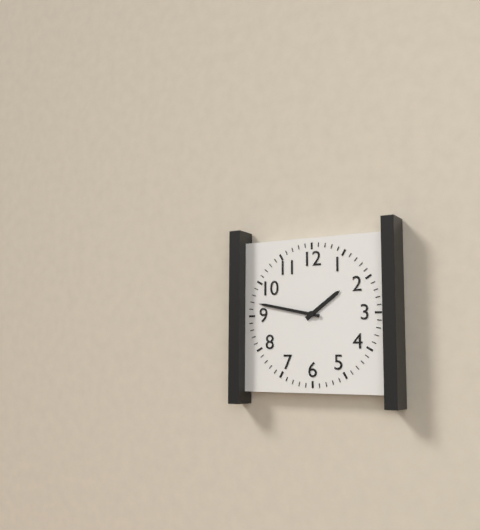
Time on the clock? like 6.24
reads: 1.47
